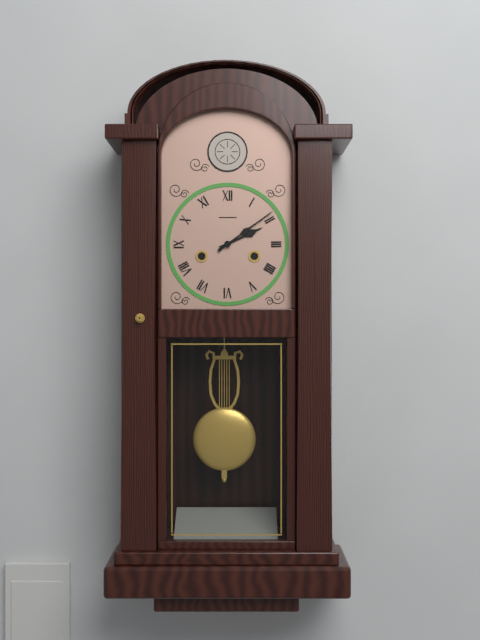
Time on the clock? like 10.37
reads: 2.09
